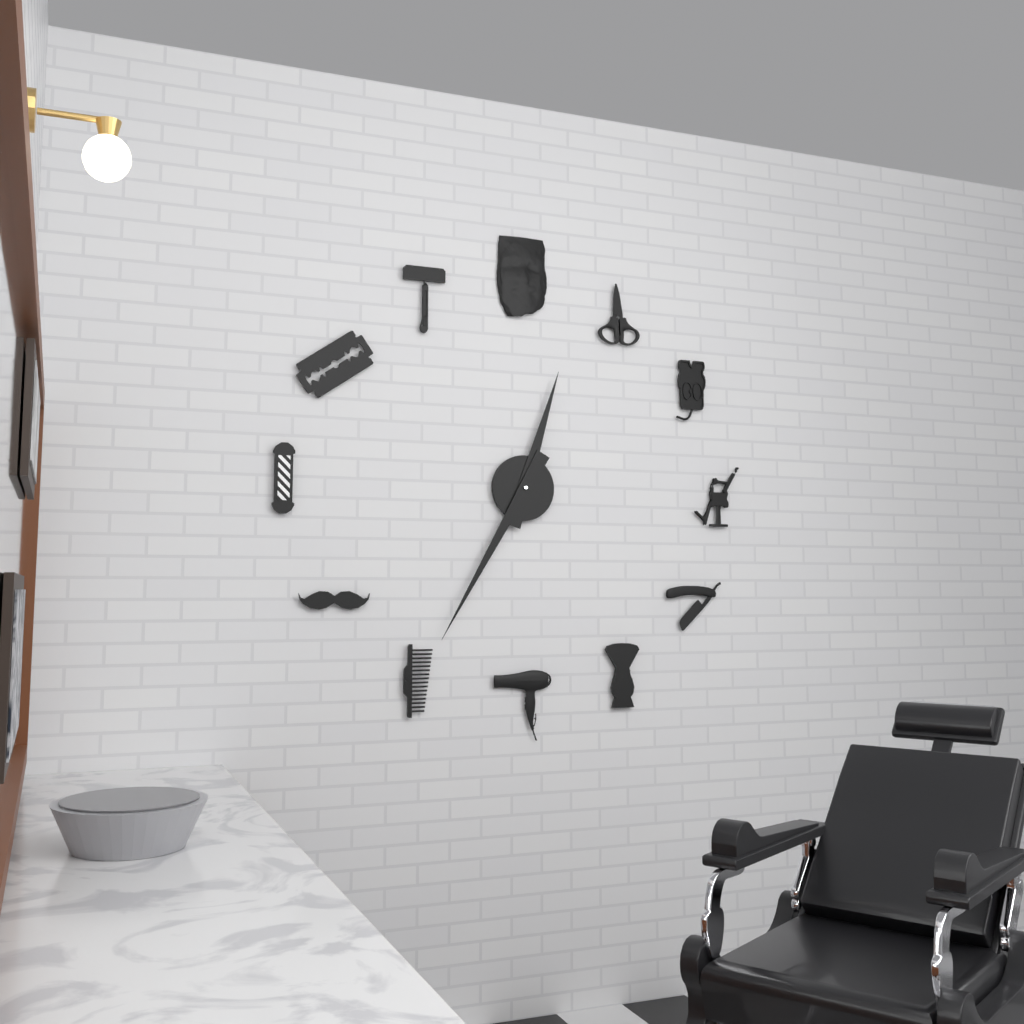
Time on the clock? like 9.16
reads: 12.35
